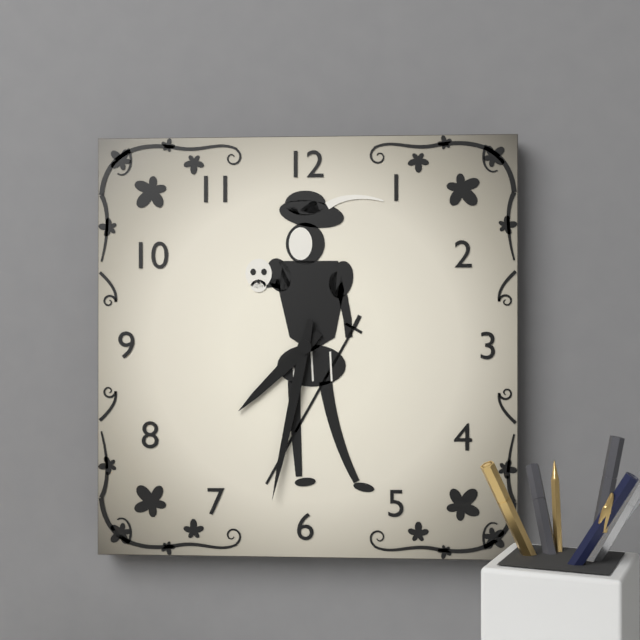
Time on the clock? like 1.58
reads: 7.32
